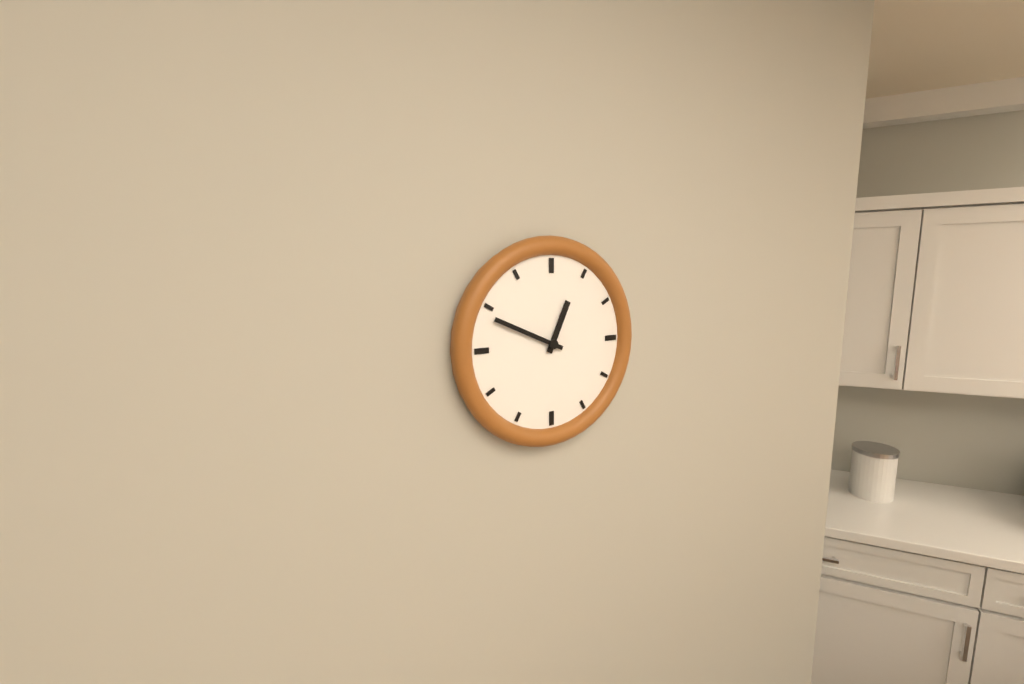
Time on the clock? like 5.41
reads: 12.49
